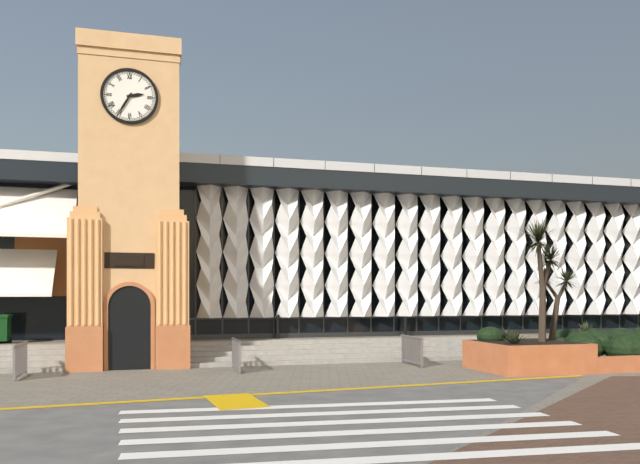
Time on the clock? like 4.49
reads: 2.35
